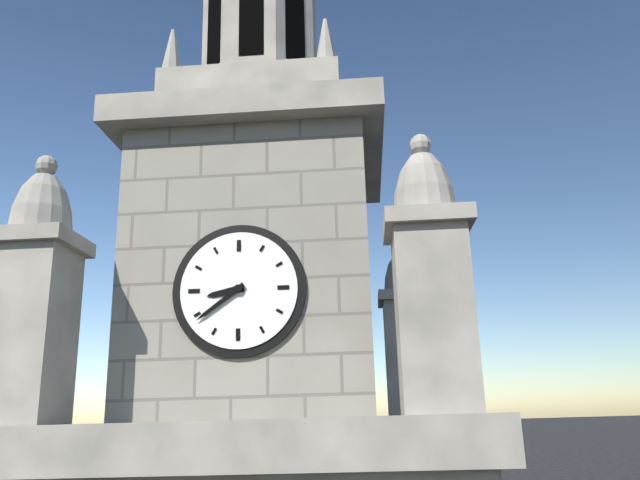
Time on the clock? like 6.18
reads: 8.39
